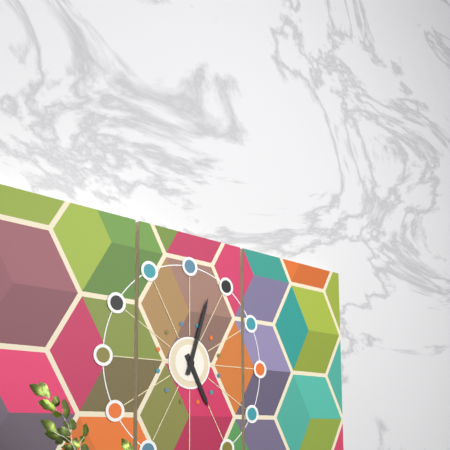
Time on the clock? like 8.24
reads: 5.03
